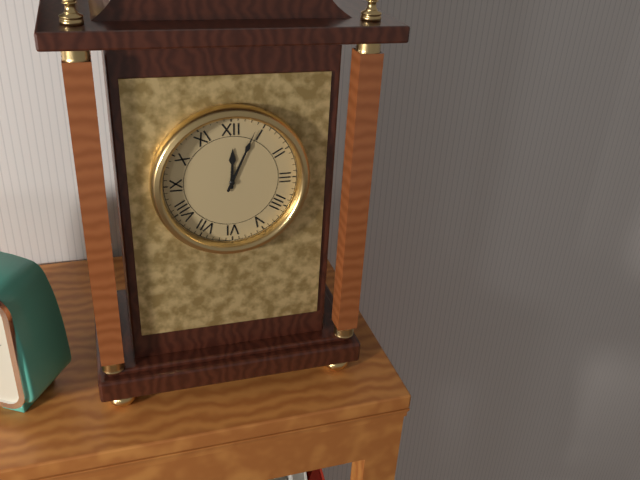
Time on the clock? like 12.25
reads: 12.04
